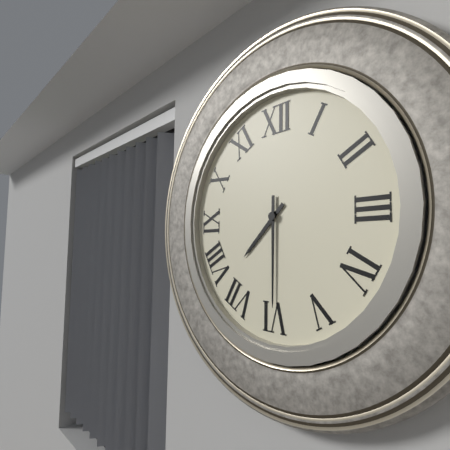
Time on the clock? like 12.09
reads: 7.30
